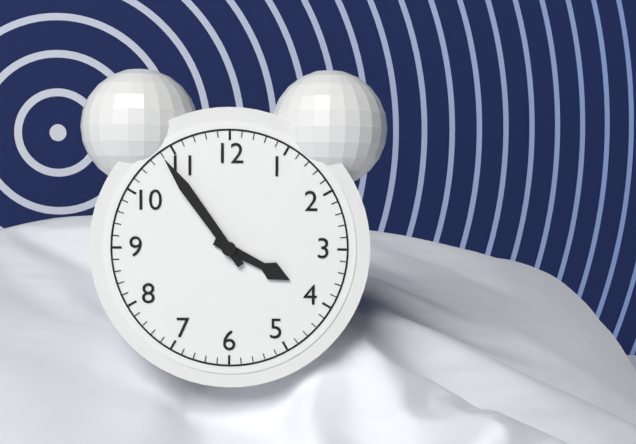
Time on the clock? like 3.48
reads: 3.54
